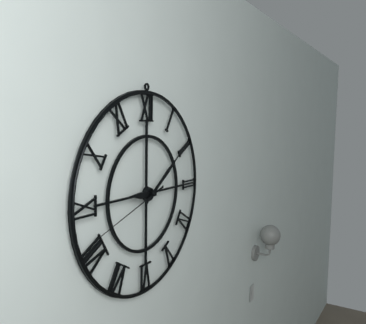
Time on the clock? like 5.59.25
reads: 9.09.42
